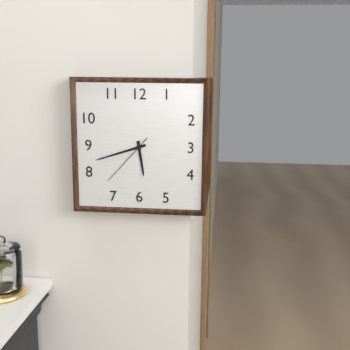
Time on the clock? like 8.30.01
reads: 5.42.37
